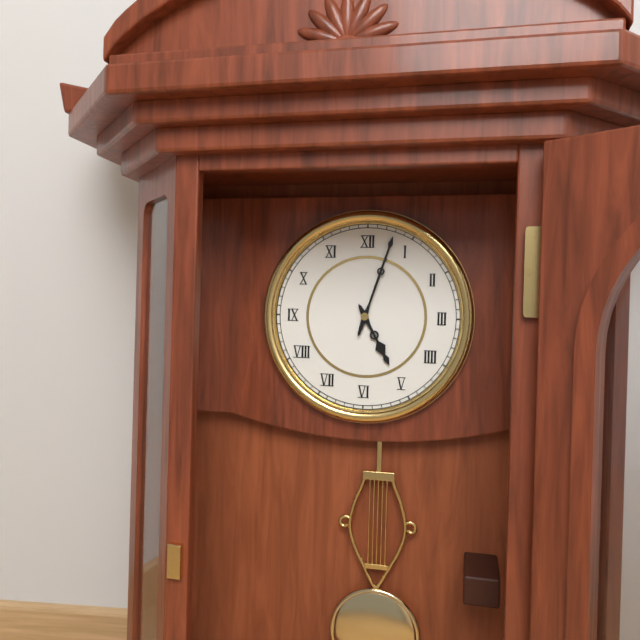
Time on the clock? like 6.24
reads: 5.03
